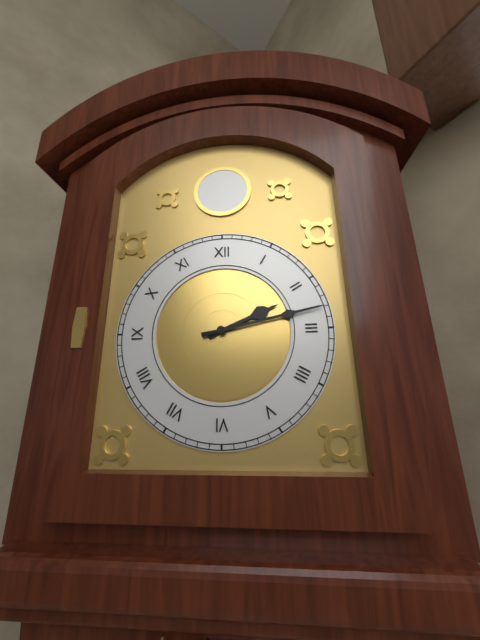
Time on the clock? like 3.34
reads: 2.13
